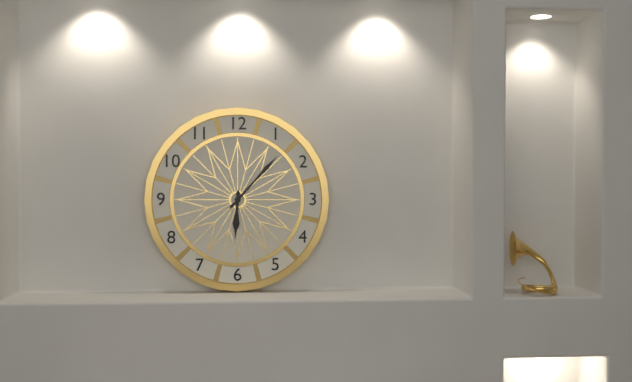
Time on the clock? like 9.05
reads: 6.07
